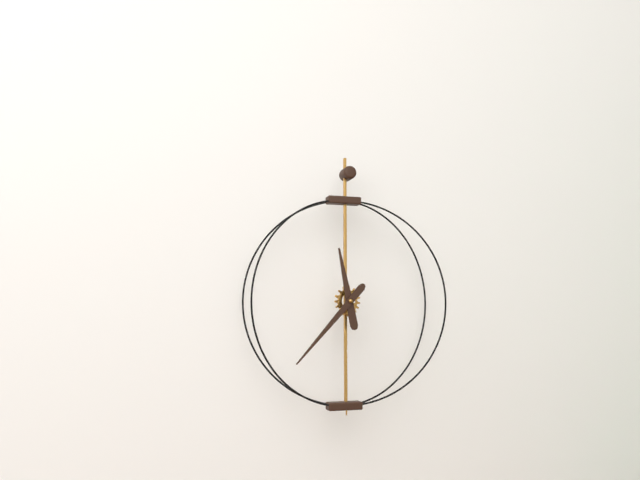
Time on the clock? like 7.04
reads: 11.37
